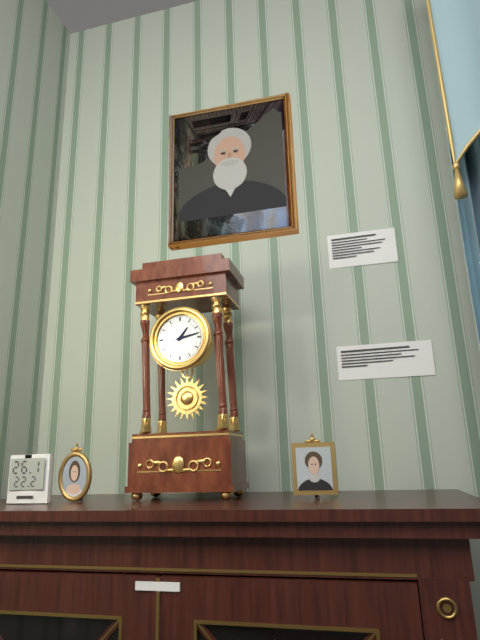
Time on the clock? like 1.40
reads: 1.13
